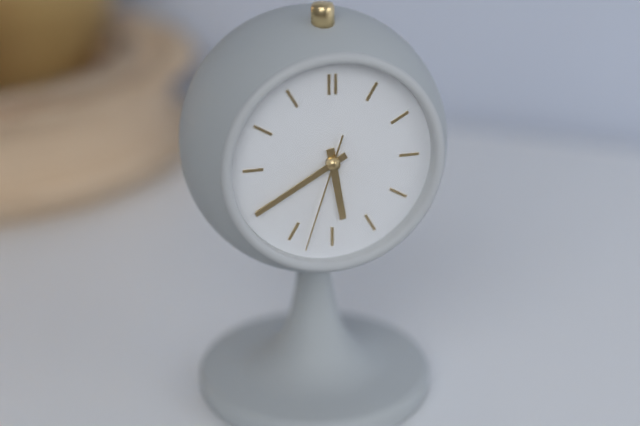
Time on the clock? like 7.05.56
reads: 5.40.33
